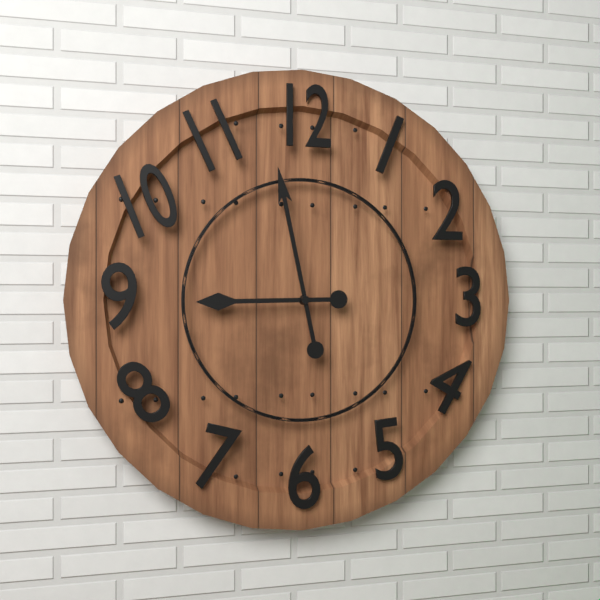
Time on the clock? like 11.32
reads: 8.58
